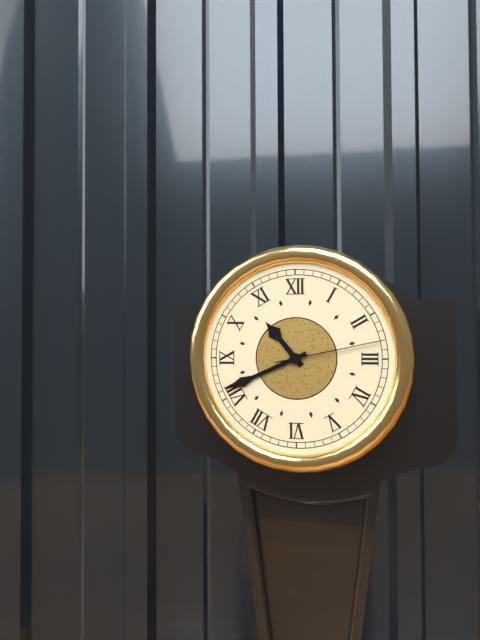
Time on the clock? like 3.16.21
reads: 10.41.13
